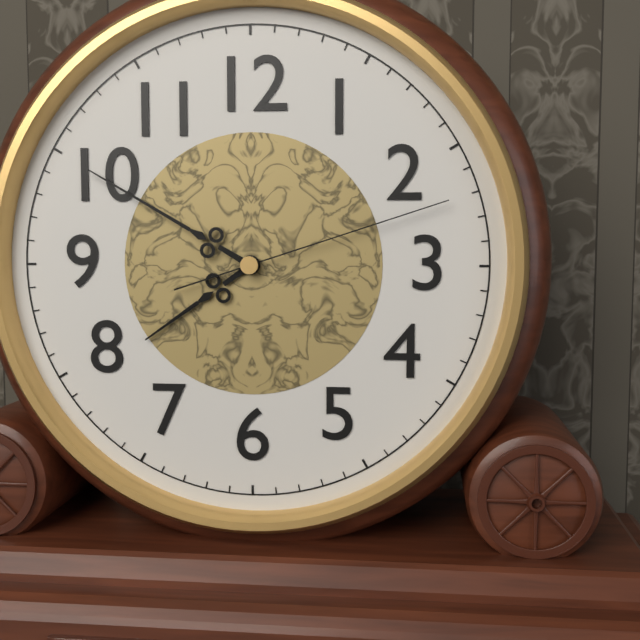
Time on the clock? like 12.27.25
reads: 7.50.12
